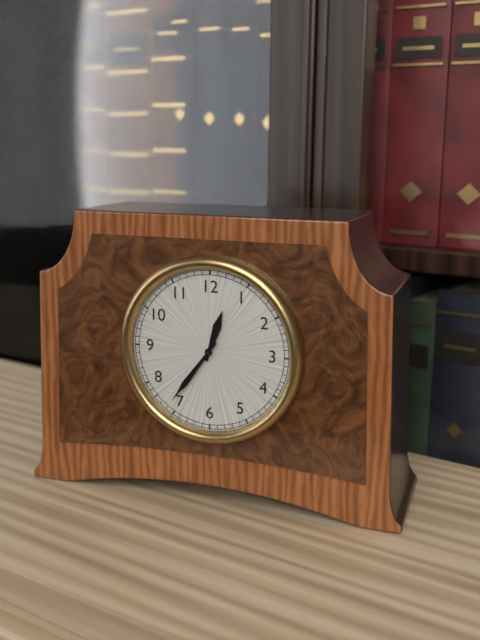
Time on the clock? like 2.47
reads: 12.36
